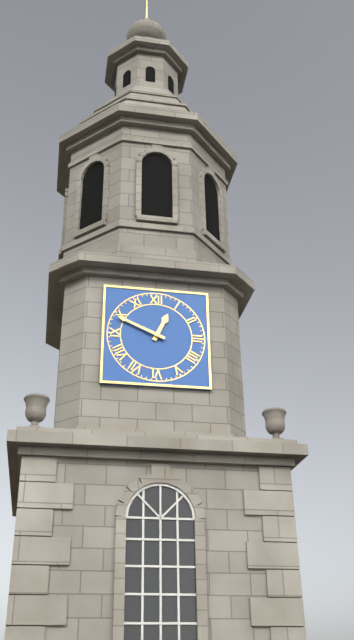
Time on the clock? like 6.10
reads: 12.49
